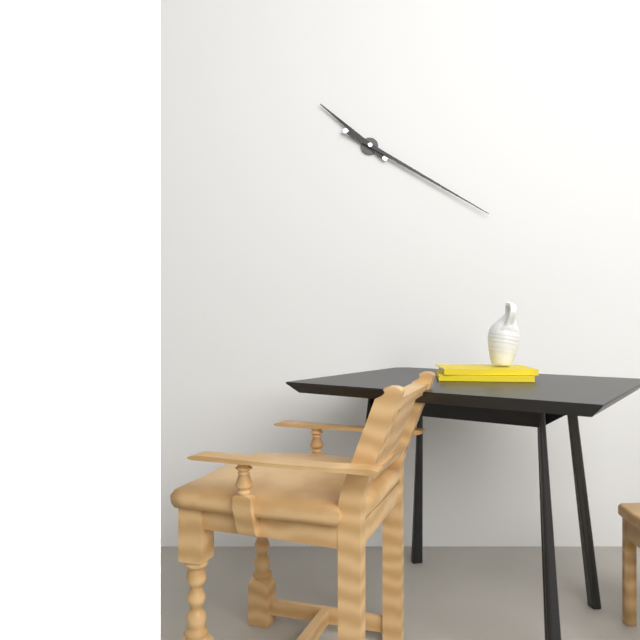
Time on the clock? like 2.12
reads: 10.20
